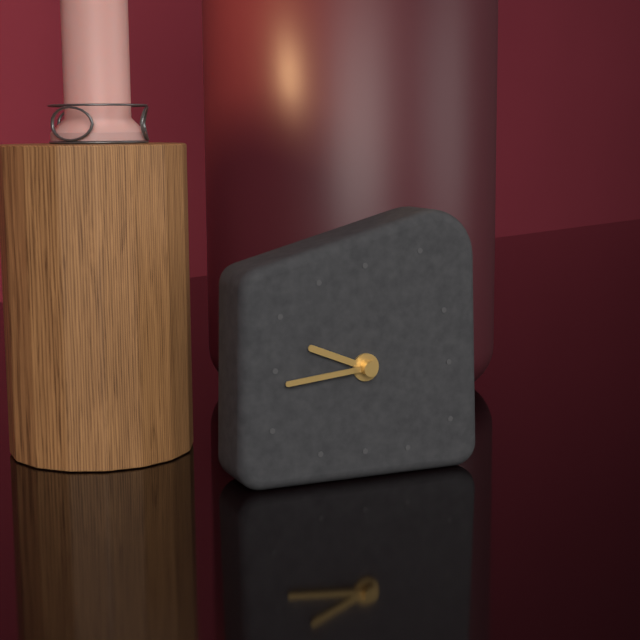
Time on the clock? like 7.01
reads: 9.44
